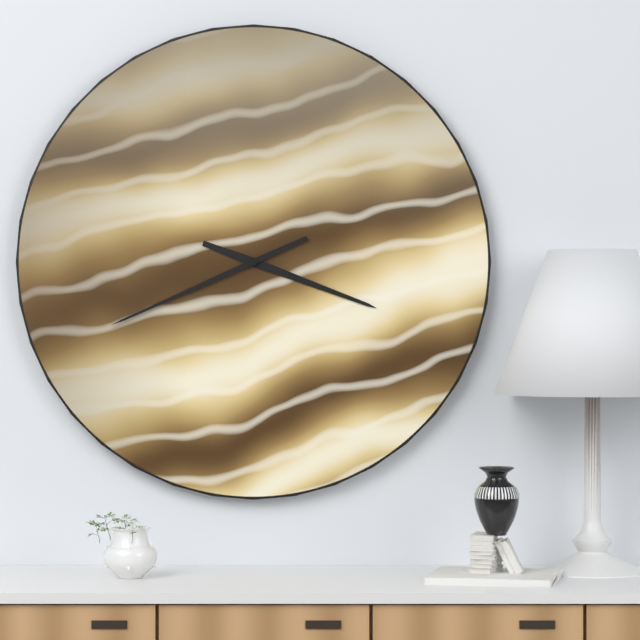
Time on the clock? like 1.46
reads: 3.41
